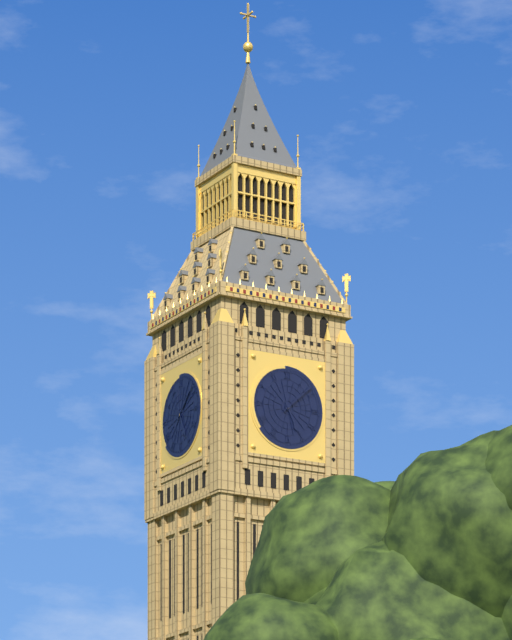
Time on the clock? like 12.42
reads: 5.08
